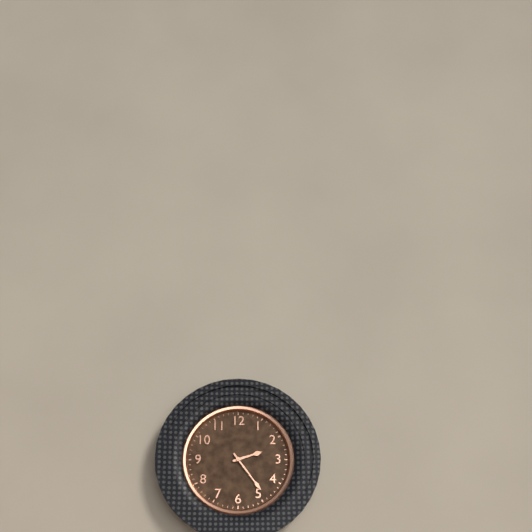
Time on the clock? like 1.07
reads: 2.24
